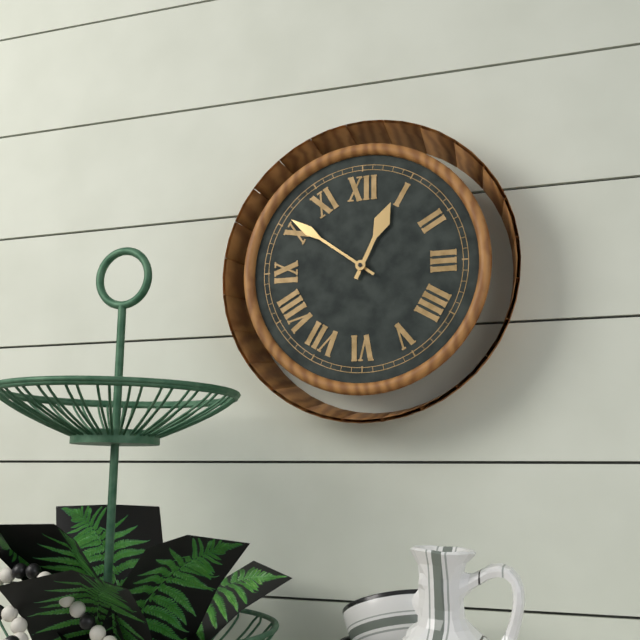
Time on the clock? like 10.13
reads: 12.51
